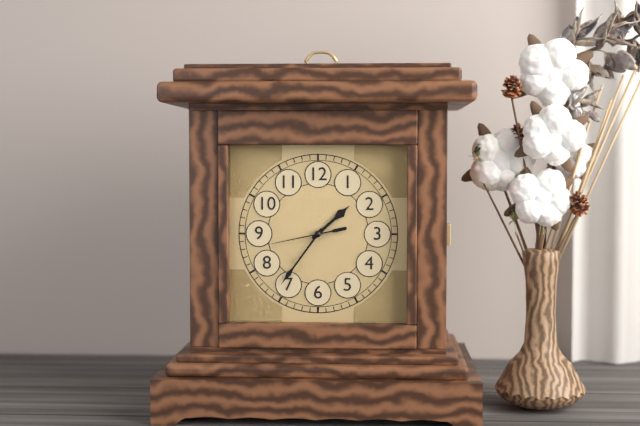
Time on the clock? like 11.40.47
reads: 1.36.43
